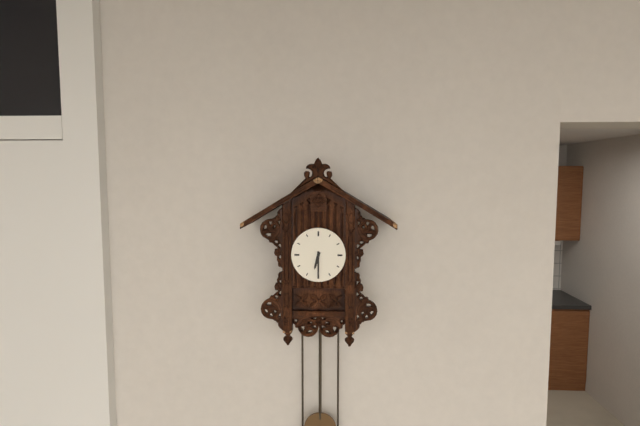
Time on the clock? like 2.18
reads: 6.30
